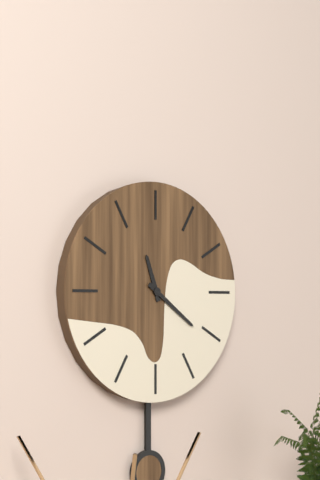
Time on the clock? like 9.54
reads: 11.21
